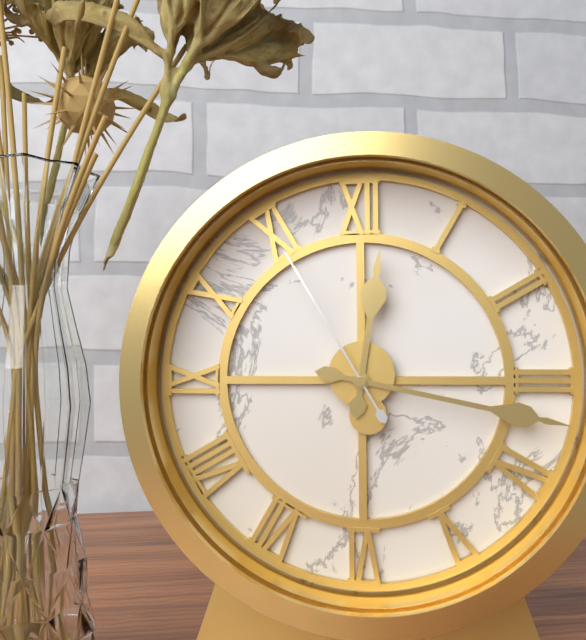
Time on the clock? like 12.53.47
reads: 12.17.55
